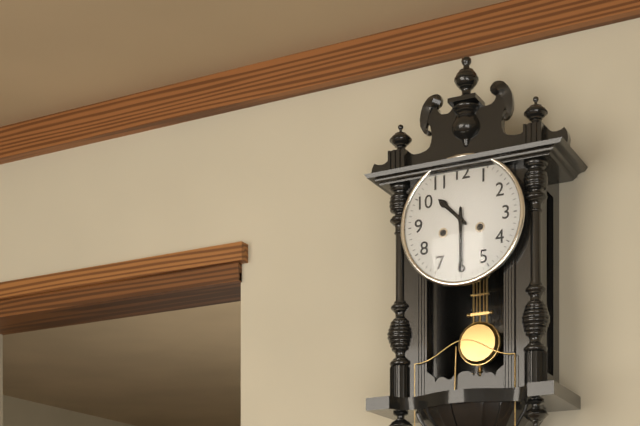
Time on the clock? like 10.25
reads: 10.30
